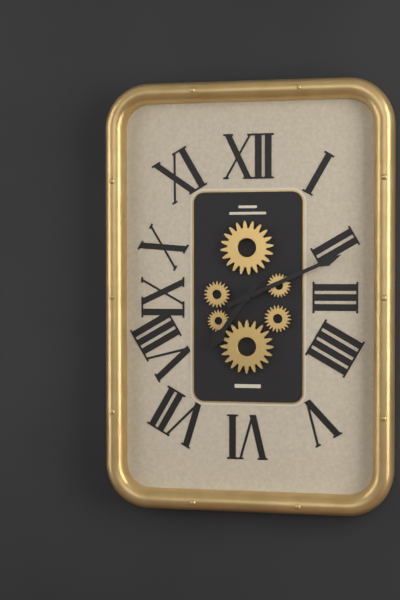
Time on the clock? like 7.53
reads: 7.11
